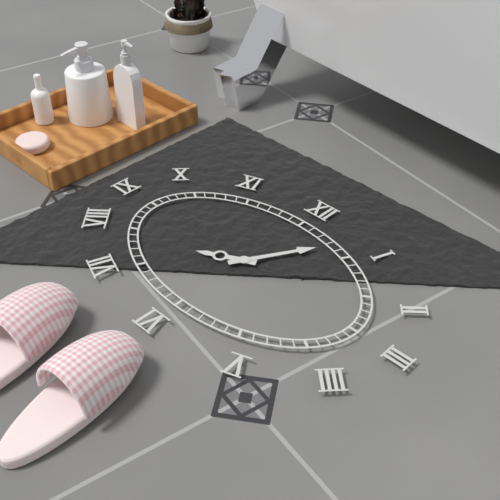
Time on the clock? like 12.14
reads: 8.05
